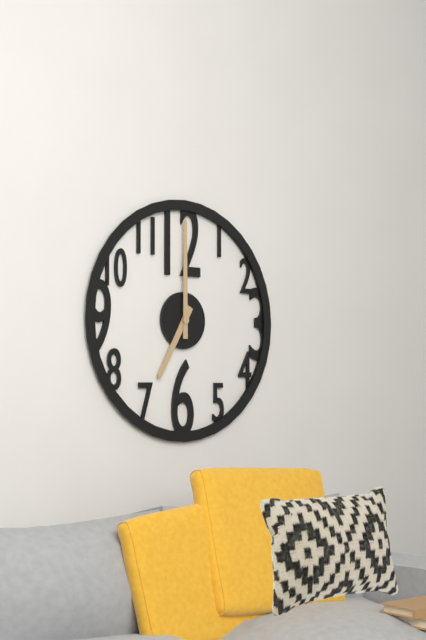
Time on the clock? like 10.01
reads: 7.00
